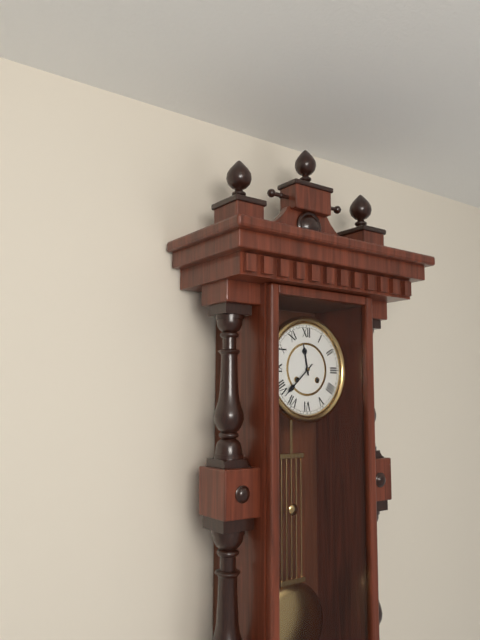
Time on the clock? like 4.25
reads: 11.38
